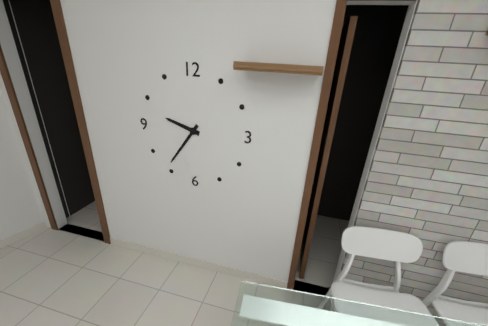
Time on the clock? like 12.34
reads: 9.36
